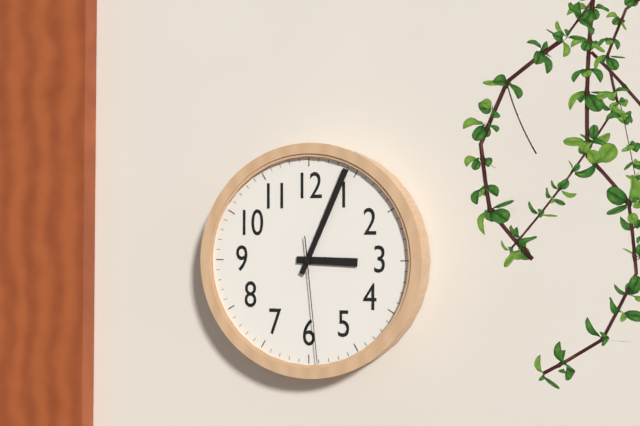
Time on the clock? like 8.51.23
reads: 3.04.29
